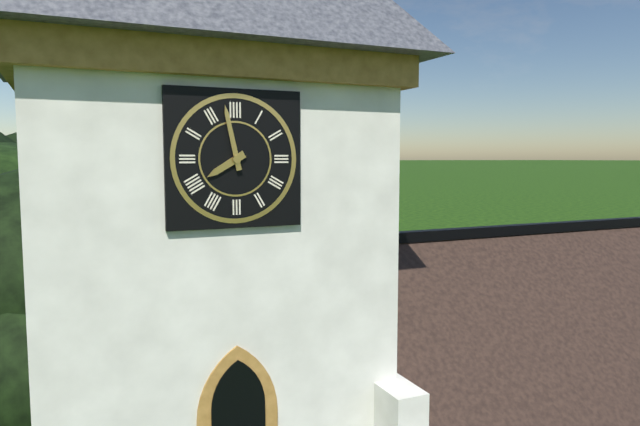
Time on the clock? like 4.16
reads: 7.58
